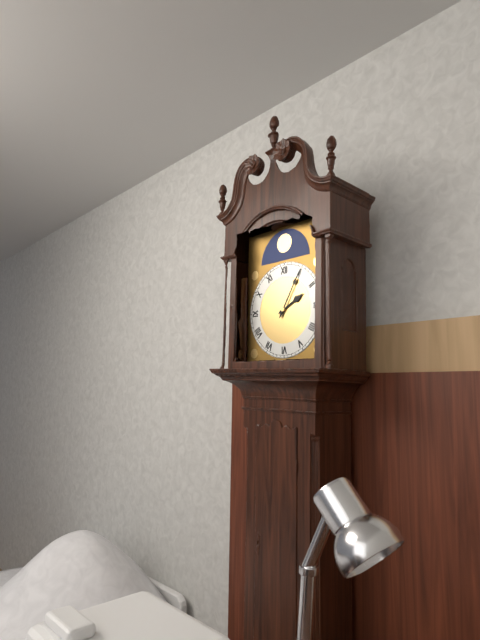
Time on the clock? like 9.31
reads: 2.05
